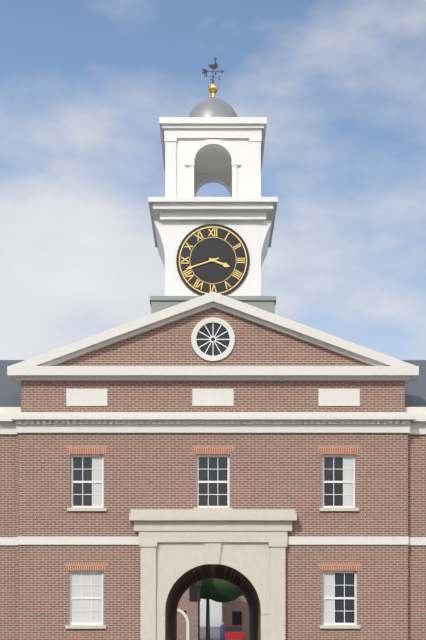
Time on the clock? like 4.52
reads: 3.42
